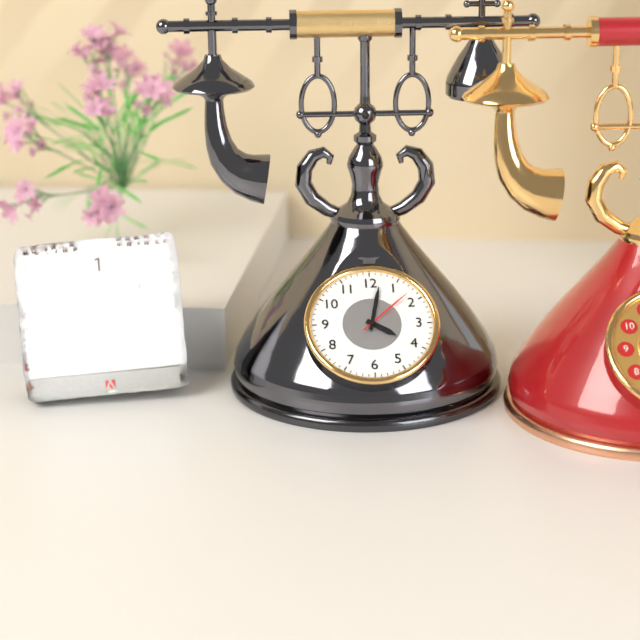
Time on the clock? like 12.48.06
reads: 4.02.08
